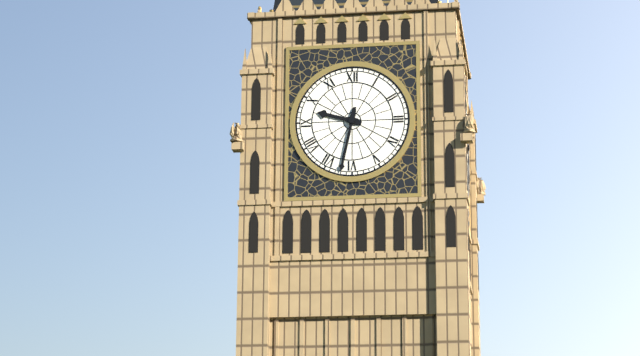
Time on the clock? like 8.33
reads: 9.32
